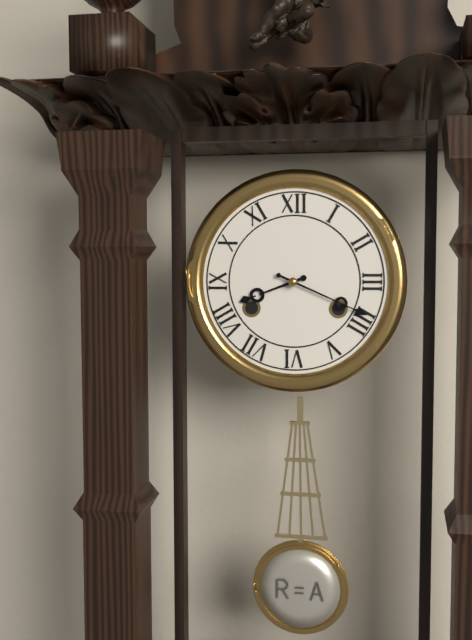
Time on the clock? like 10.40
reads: 8.19
